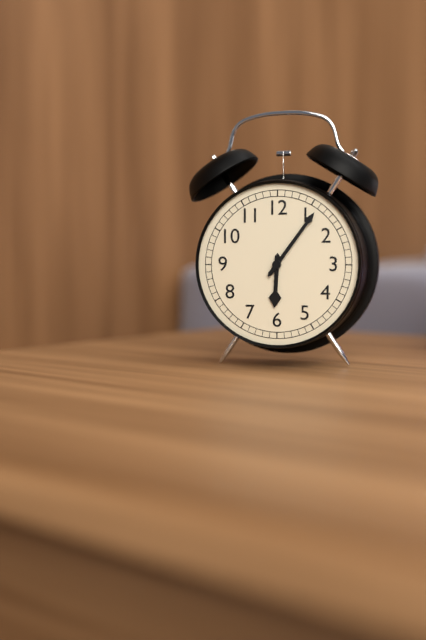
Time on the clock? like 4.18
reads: 6.06
